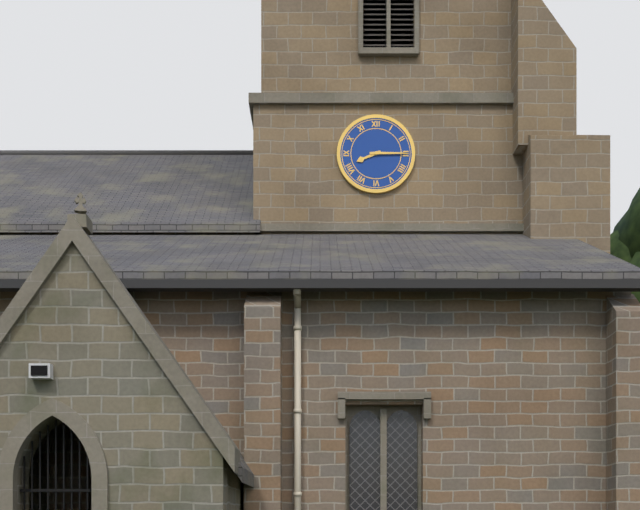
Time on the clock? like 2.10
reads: 8.15
